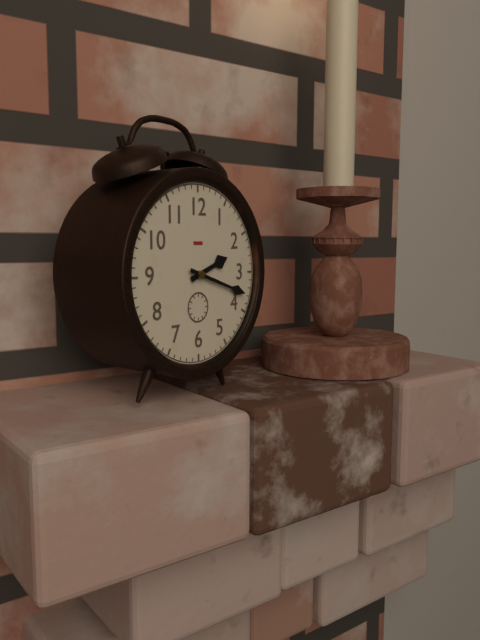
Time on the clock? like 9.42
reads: 2.18
